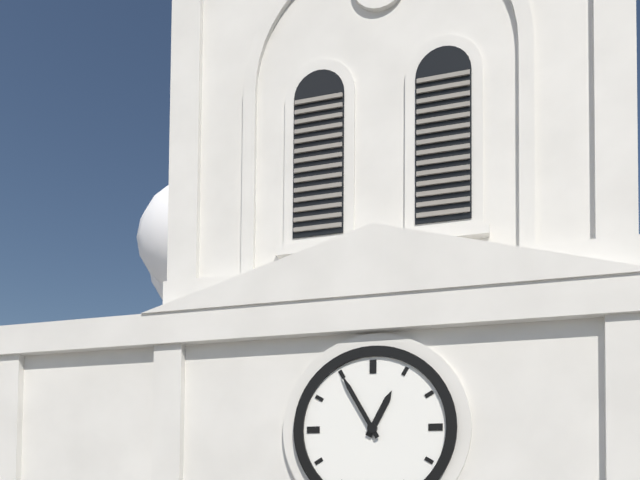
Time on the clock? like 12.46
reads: 12.55
